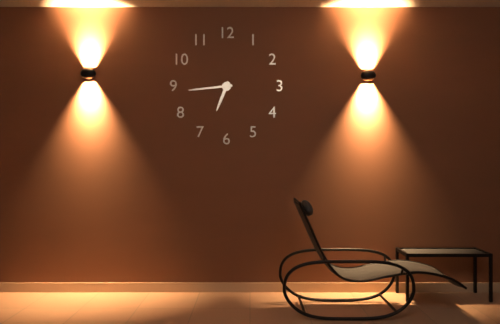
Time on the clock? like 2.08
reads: 6.44
